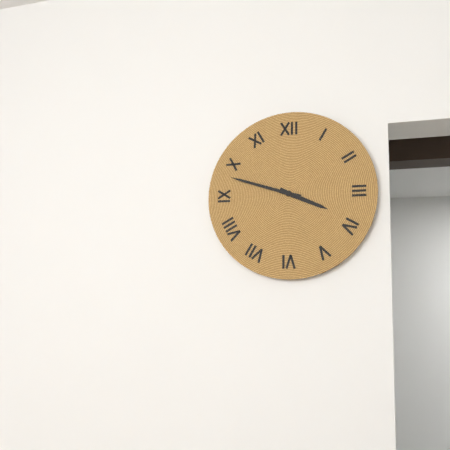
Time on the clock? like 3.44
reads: 3.48
